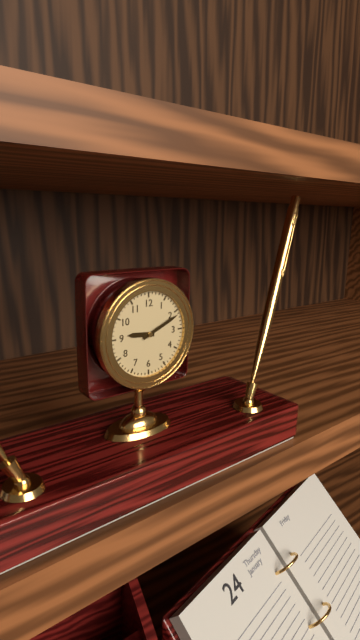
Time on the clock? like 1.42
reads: 9.11
